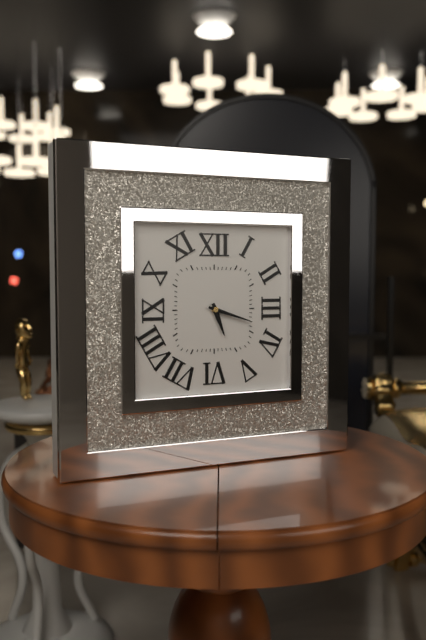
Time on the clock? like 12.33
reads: 5.18
